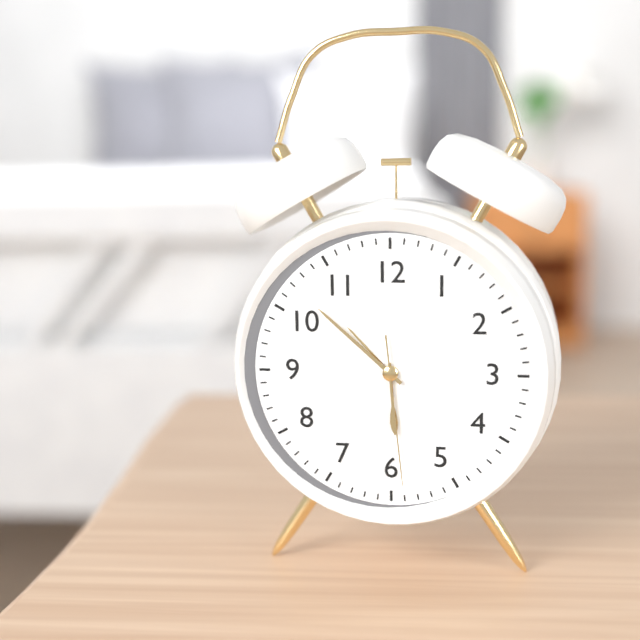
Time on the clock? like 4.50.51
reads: 5.52.29
